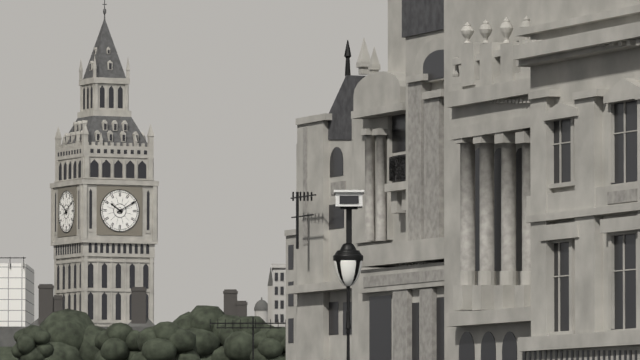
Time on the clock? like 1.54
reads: 10.10
